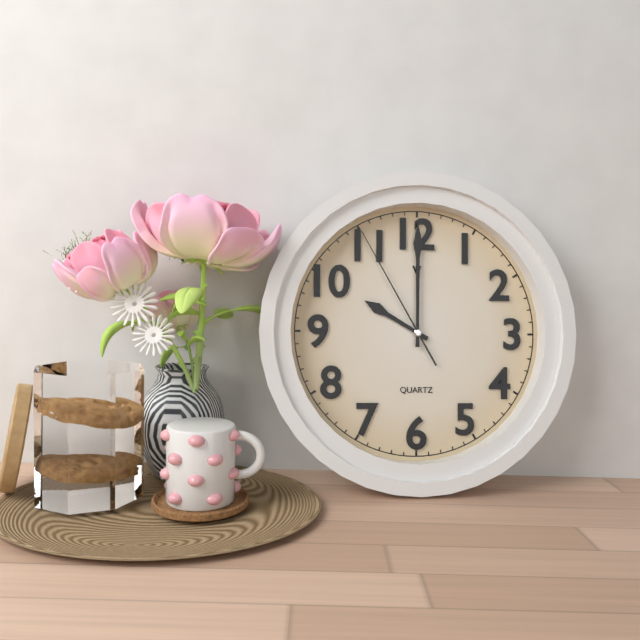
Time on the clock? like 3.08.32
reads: 10.00.55
